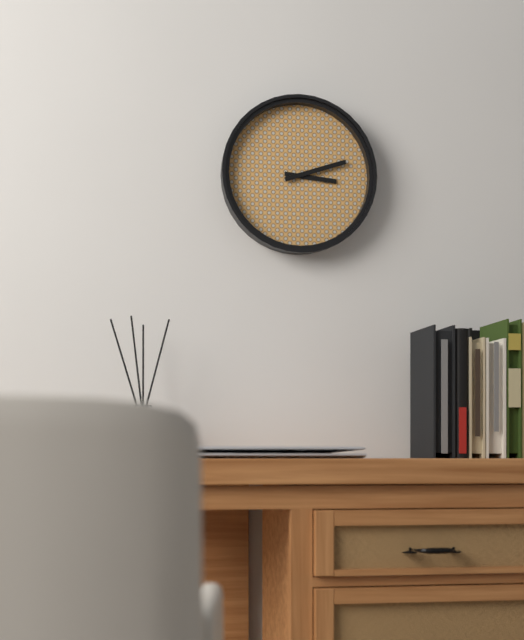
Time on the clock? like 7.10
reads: 3.12
